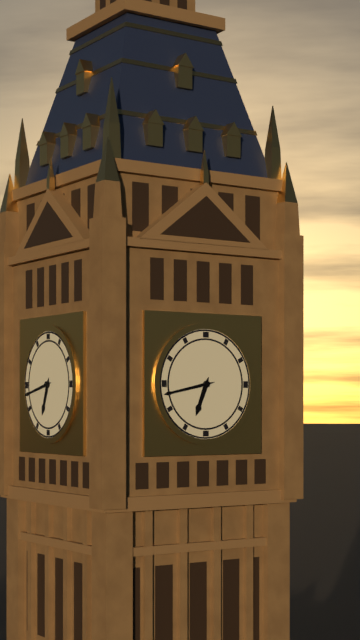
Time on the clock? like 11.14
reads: 6.43
